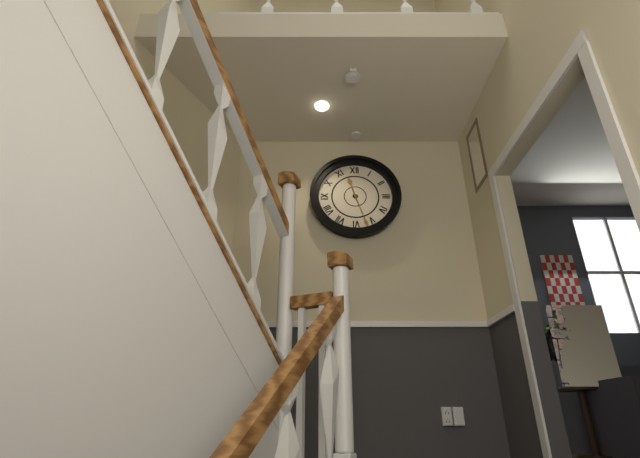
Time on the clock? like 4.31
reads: 11.27
